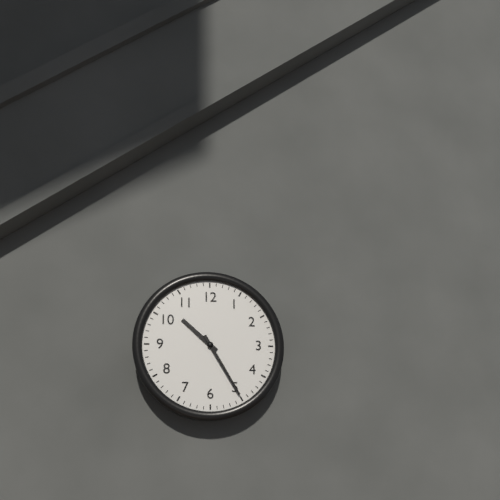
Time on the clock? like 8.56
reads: 10.25
